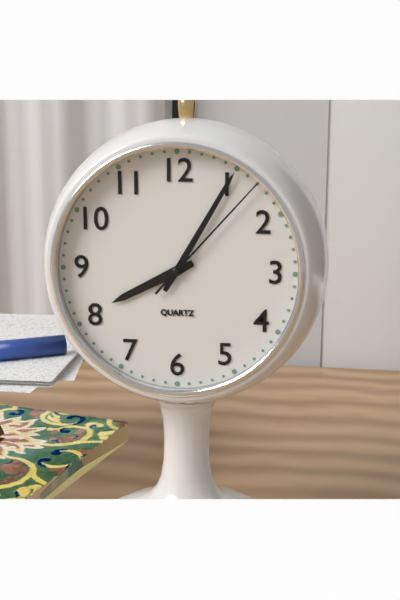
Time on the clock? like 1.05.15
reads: 8.05.07
